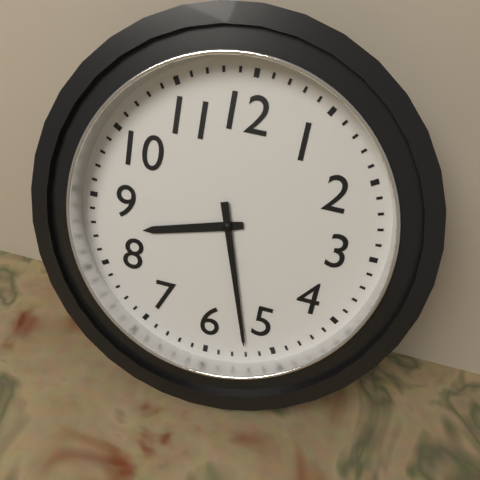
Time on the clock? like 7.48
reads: 8.27
